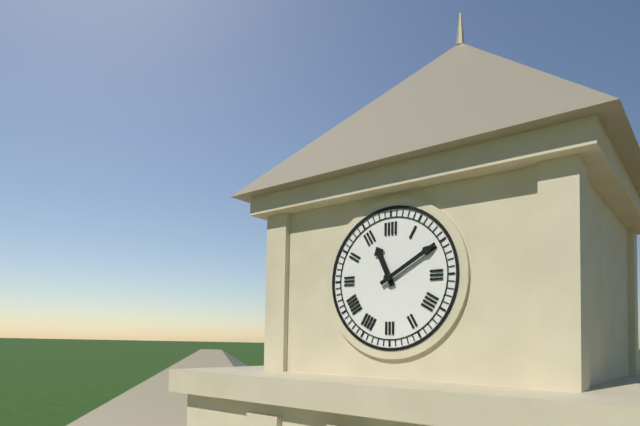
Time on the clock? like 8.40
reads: 11.10
